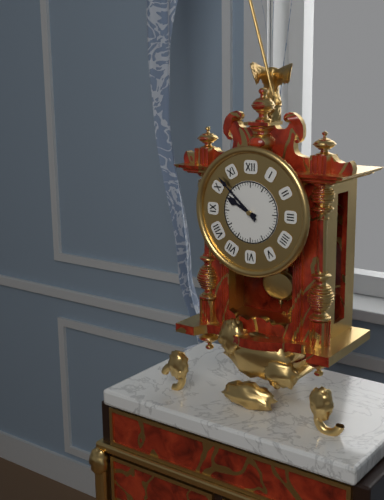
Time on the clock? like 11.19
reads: 9.52
